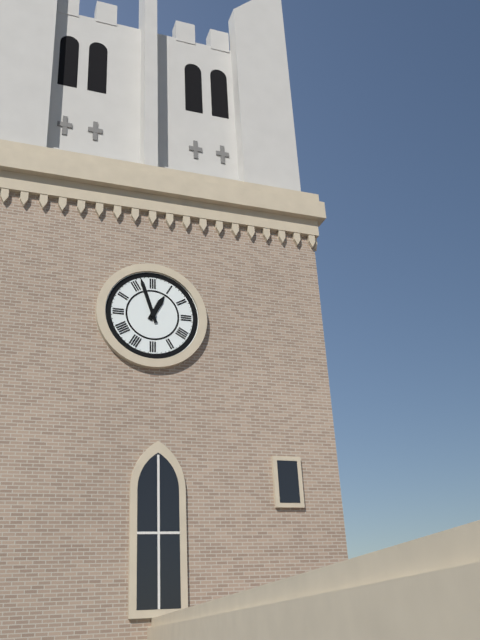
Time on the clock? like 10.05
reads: 12.57
